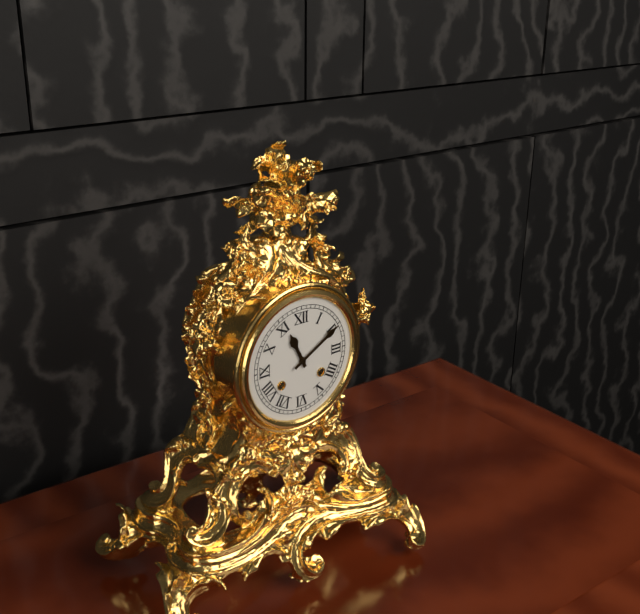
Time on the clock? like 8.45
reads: 11.10
